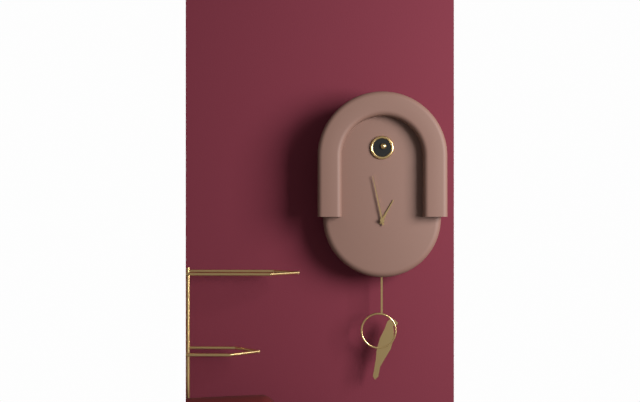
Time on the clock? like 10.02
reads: 12.58
